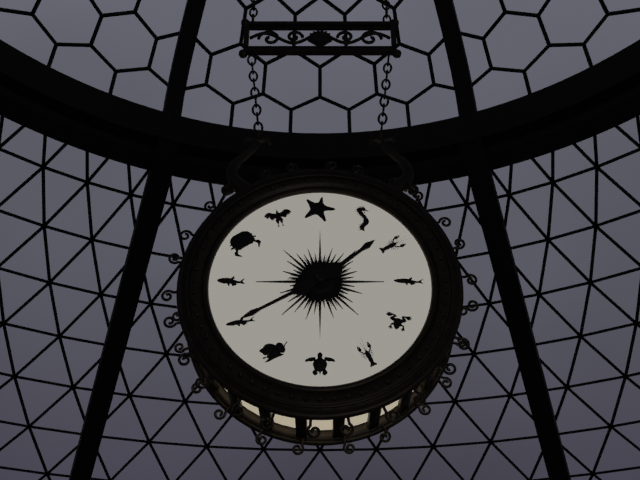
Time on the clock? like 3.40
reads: 1.40
